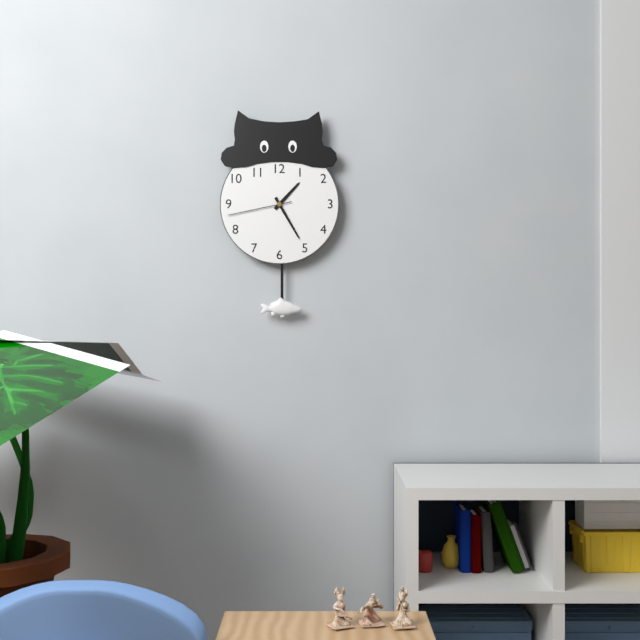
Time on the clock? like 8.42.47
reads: 1.25.43
